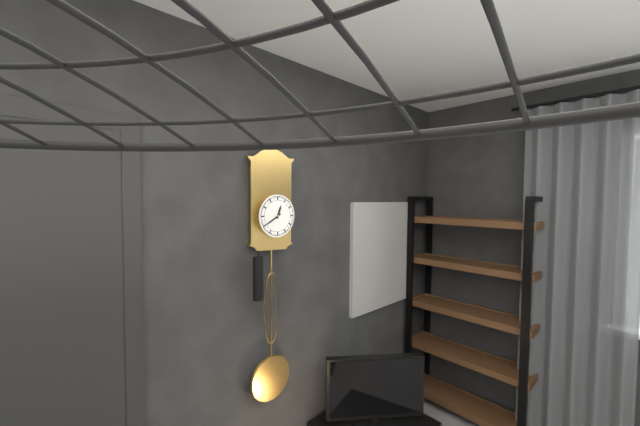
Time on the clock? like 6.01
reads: 12.40
